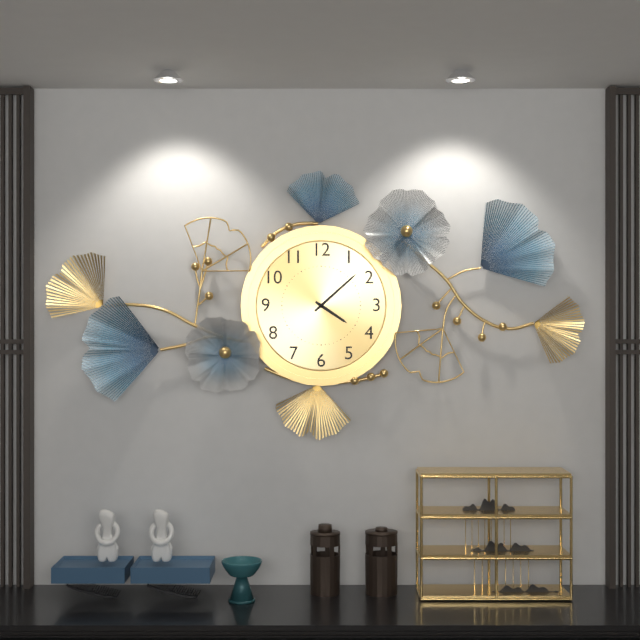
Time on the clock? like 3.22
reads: 4.08
